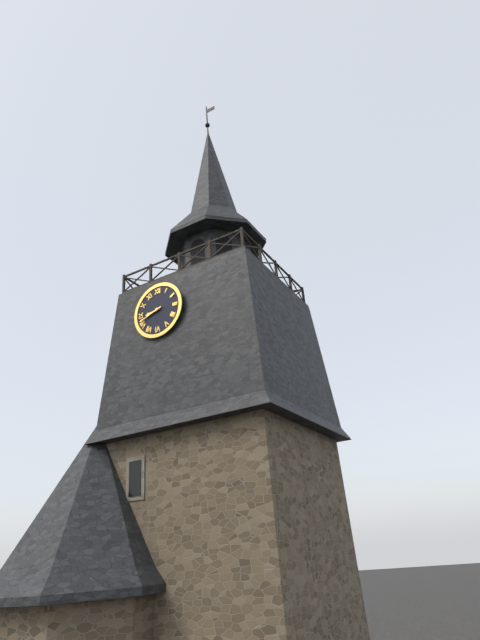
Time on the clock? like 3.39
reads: 8.42
